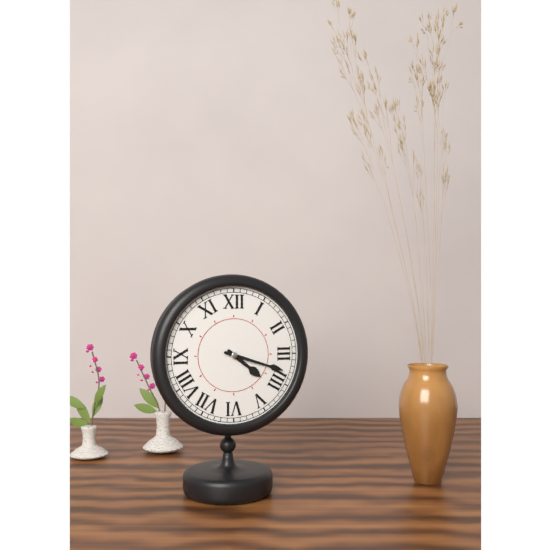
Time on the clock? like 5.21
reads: 4.18
